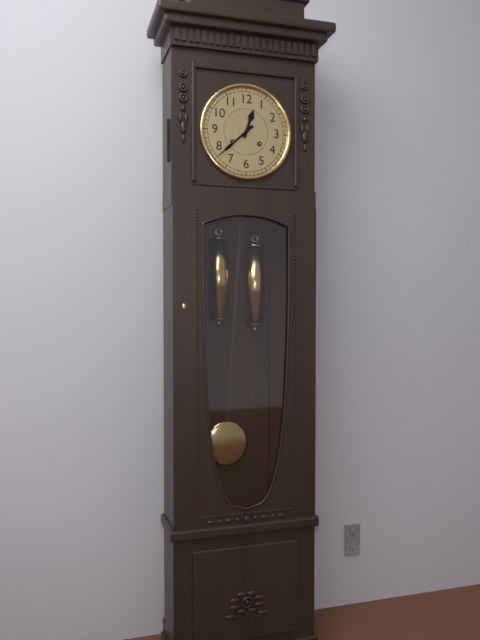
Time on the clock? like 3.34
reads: 12.38
